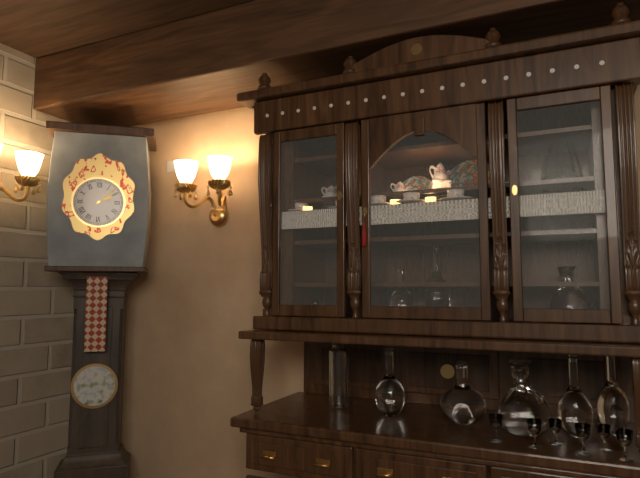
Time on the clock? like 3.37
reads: 2.08
